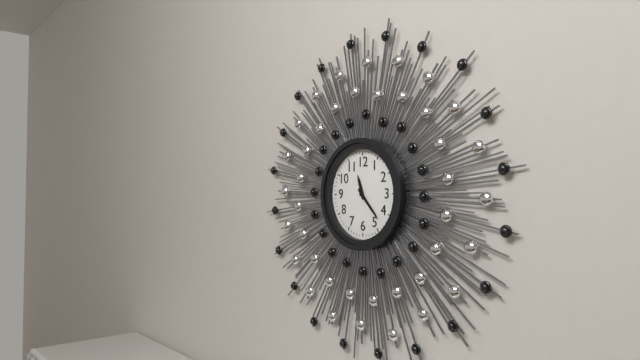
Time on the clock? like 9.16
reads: 11.23
